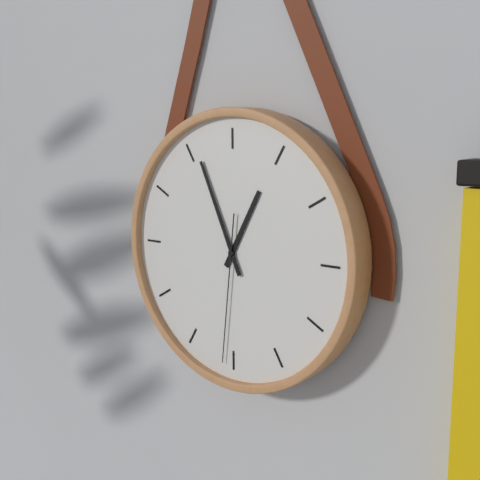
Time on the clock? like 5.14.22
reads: 12.56.31
